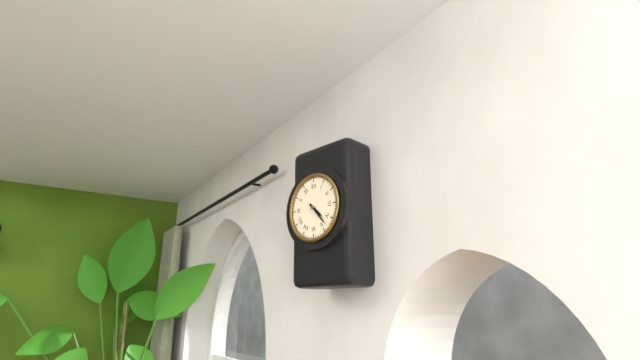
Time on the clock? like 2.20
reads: 4.23
